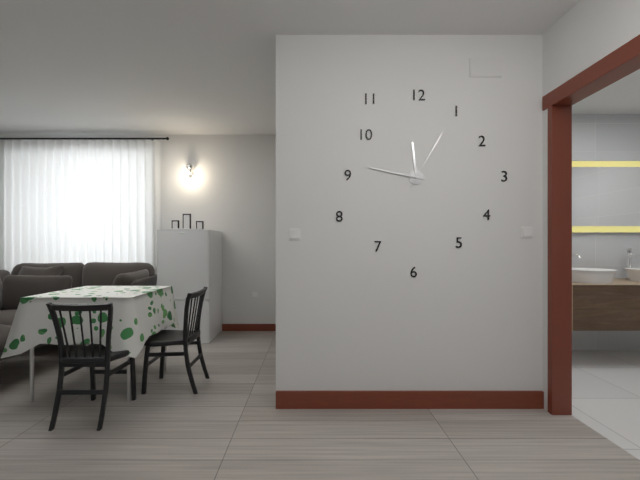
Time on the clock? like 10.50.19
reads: 11.47.05
